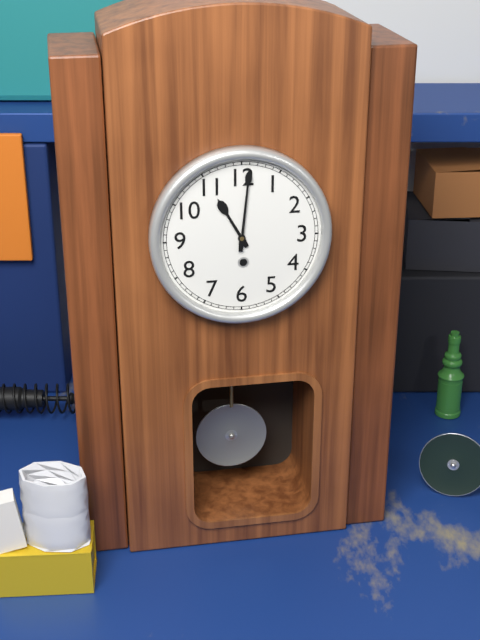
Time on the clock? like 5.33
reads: 11.01
